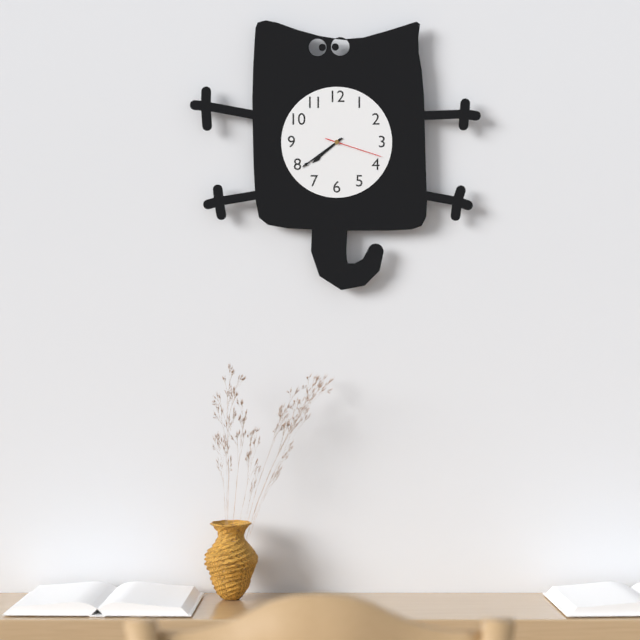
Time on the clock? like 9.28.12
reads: 7.39.18
